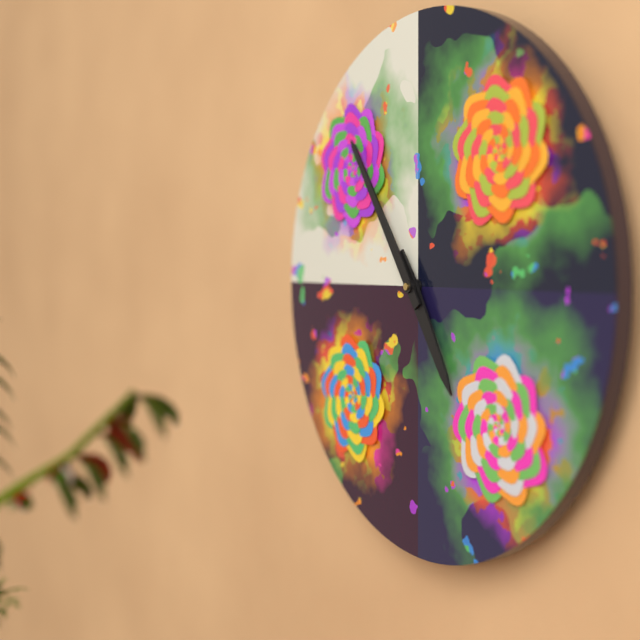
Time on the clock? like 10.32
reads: 4.54
